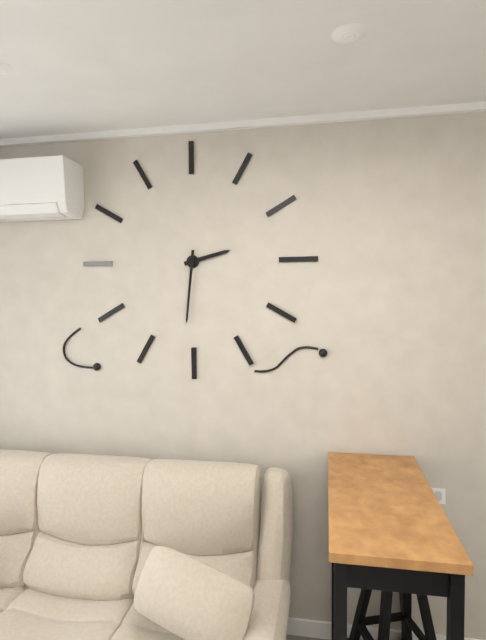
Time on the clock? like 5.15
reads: 2.31
